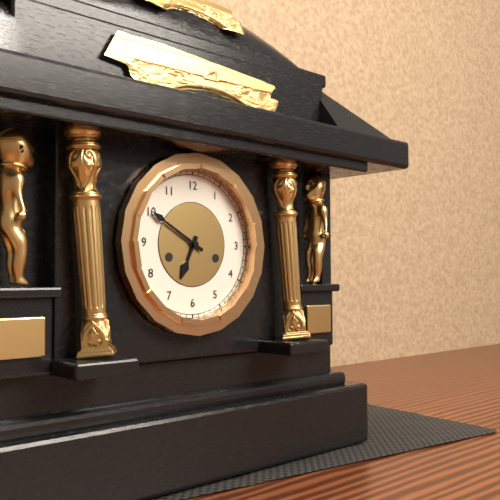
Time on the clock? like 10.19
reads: 6.50
